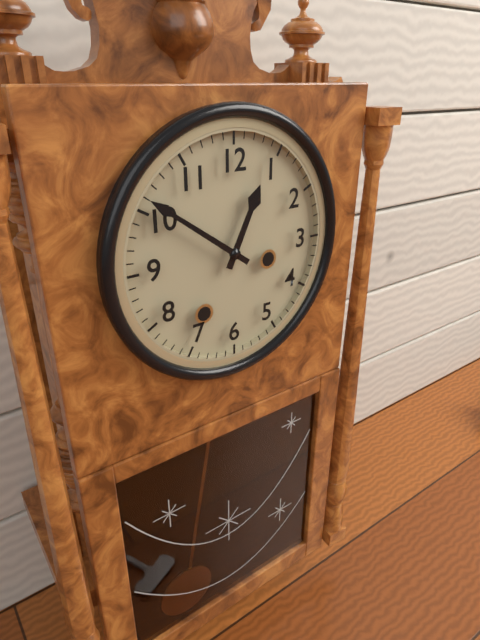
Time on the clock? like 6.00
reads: 12.51
